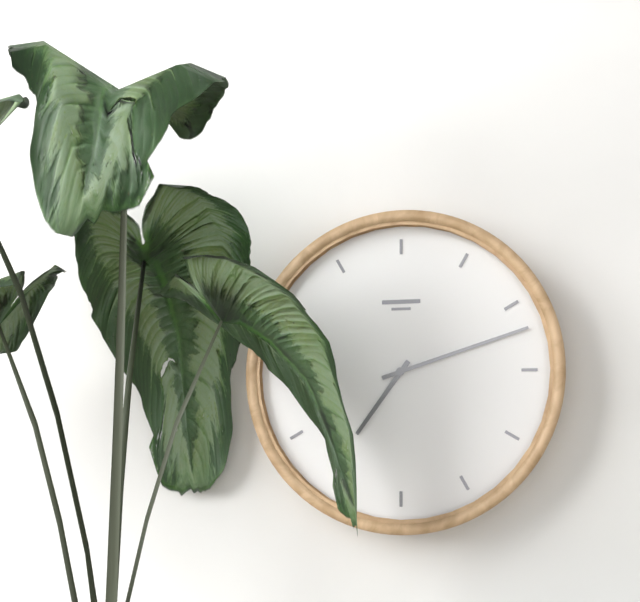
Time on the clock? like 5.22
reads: 7.12
